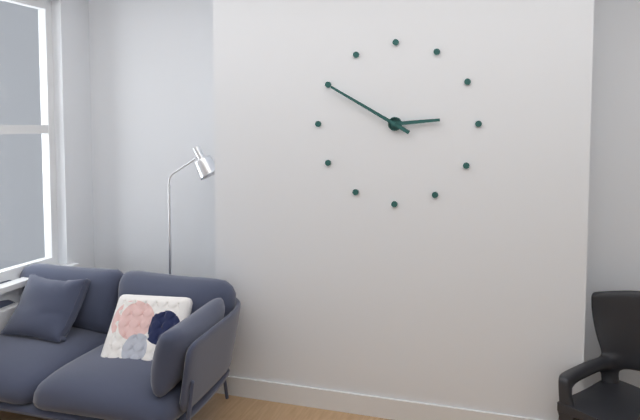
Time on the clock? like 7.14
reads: 2.50
